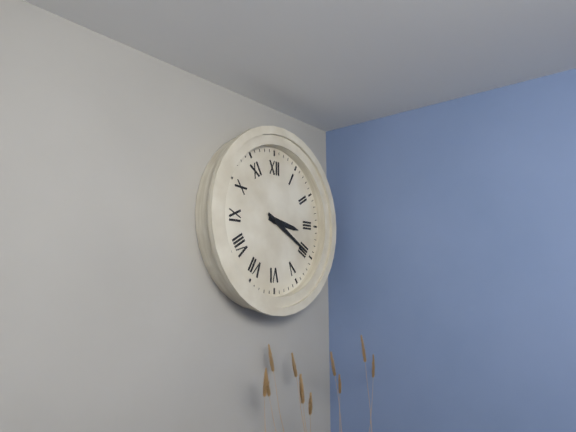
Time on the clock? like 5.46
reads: 3.20
